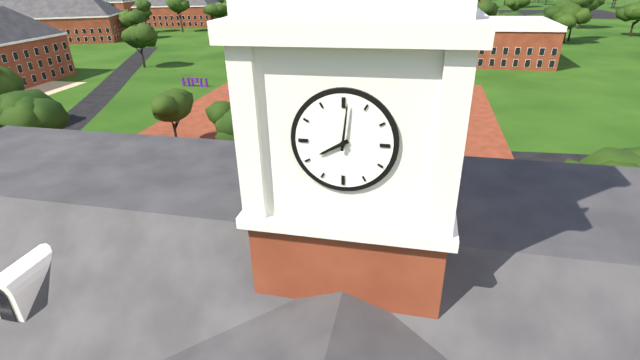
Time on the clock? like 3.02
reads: 8.01
